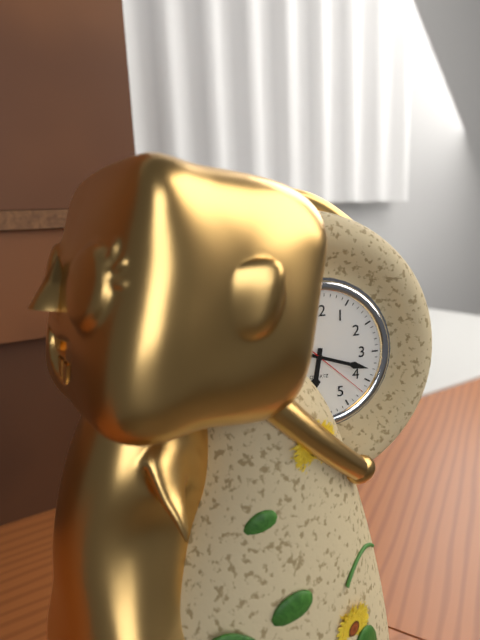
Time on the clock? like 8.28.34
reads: 6.18.22
